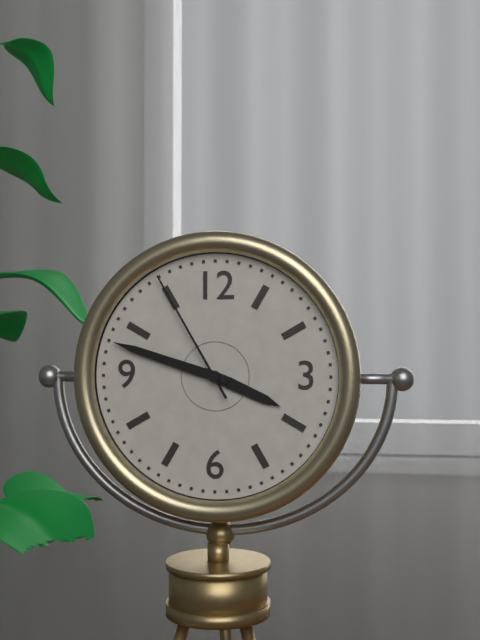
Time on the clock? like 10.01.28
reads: 3.48.55
